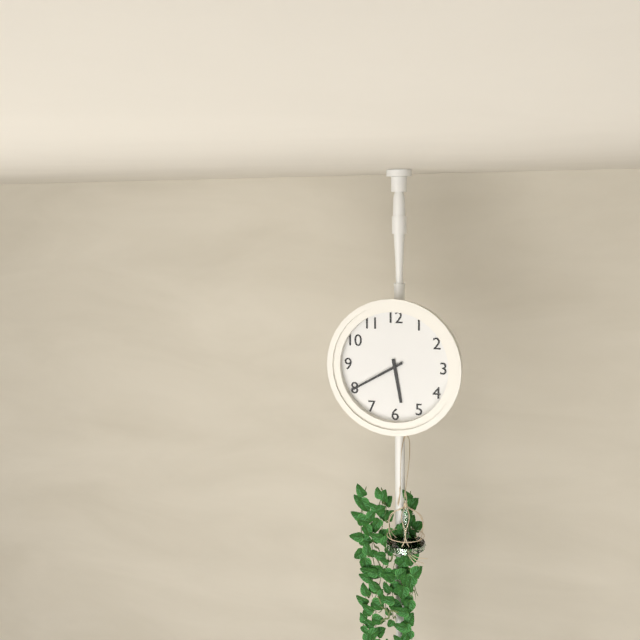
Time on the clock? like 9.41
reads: 5.40
